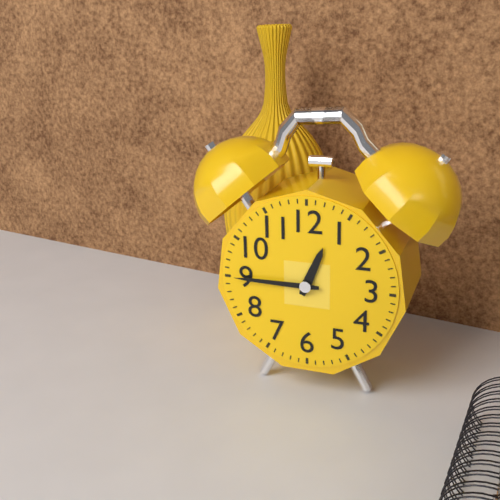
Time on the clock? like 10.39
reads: 12.45
